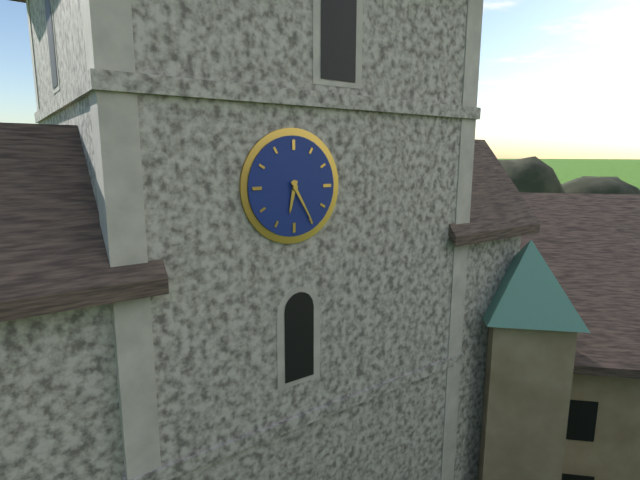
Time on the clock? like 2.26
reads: 6.25
